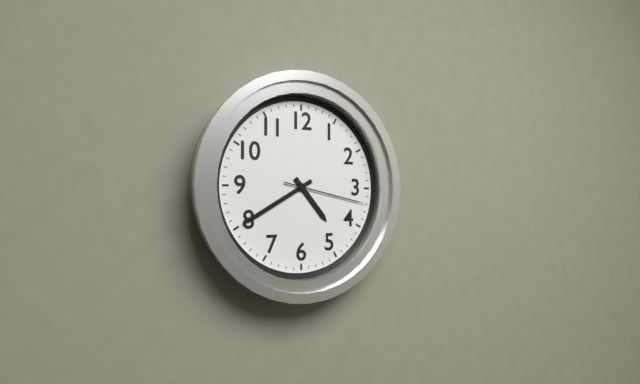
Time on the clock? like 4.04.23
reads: 4.40.17
